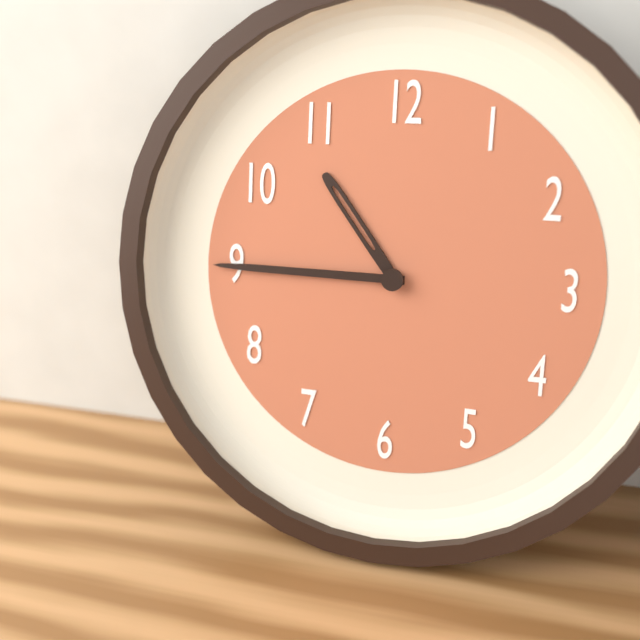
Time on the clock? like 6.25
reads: 10.45
